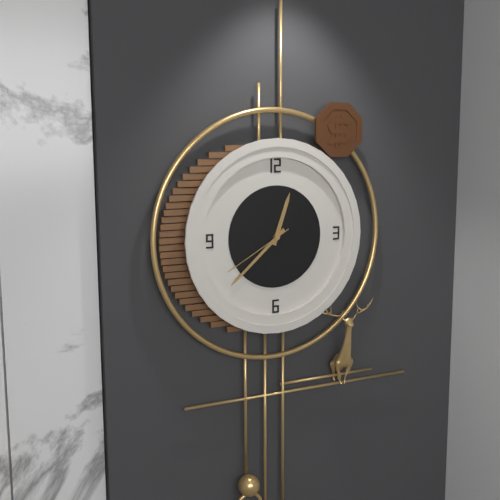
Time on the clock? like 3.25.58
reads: 12.38.40
